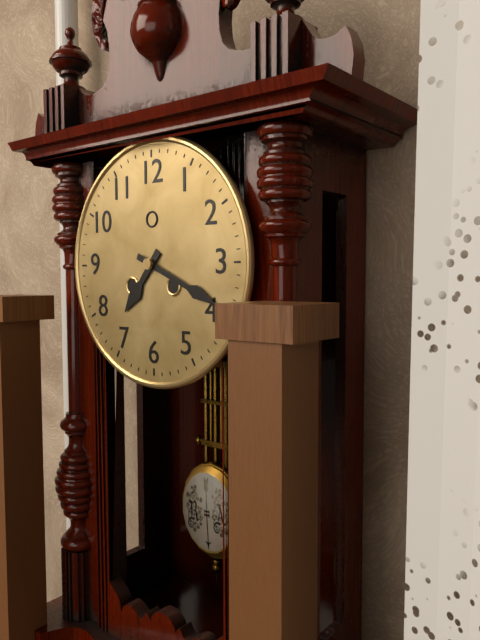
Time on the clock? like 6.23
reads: 7.19
